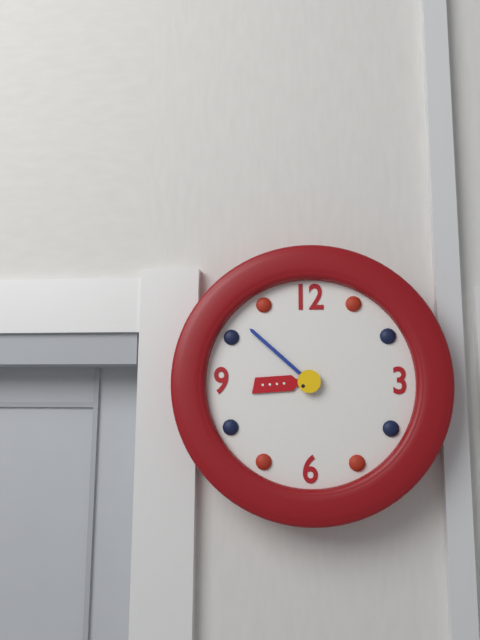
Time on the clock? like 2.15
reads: 8.52
